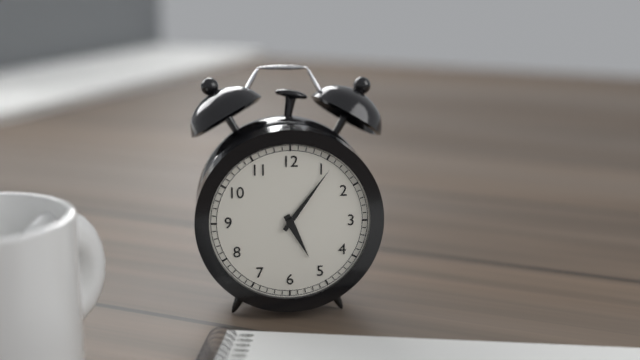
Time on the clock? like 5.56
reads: 5.06
